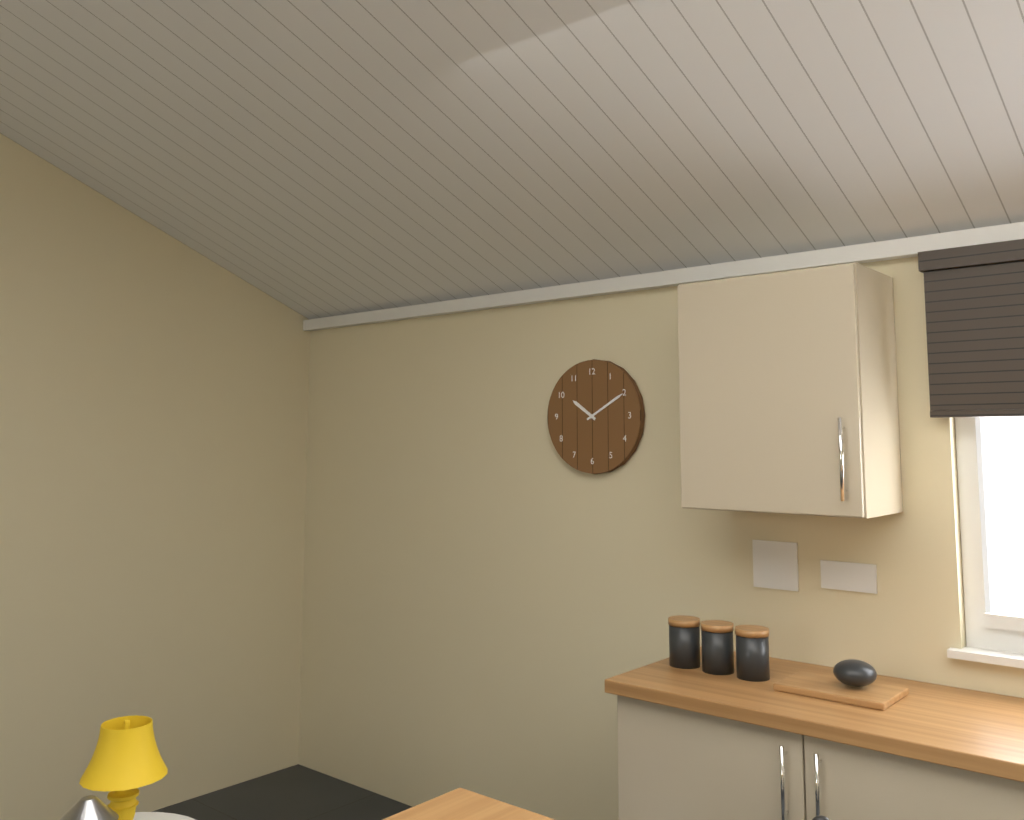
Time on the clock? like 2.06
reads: 10.10
